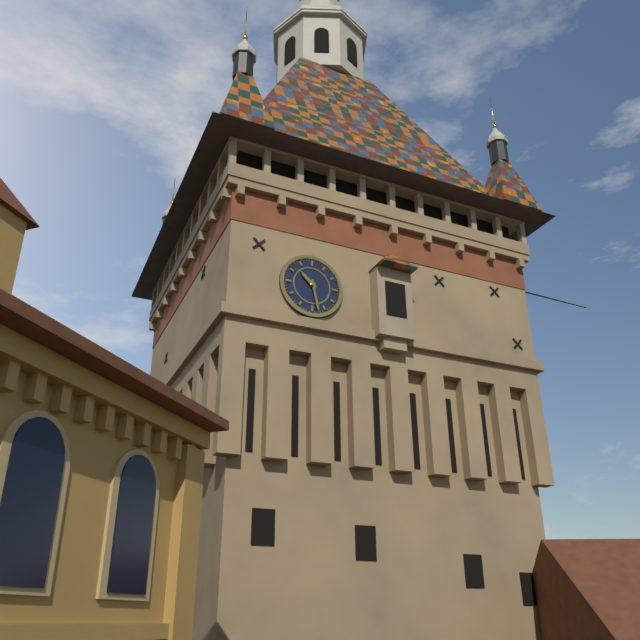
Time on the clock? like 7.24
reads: 10.28
